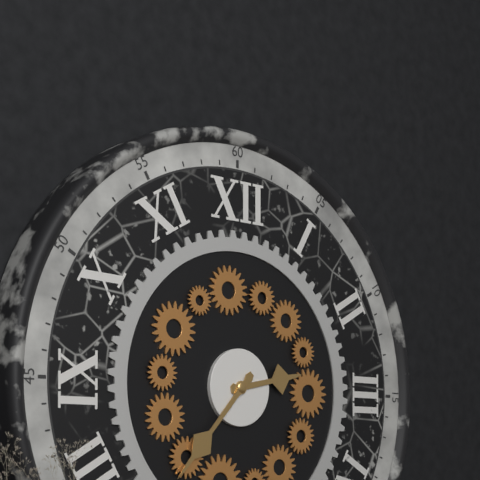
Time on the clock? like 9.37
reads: 2.37
